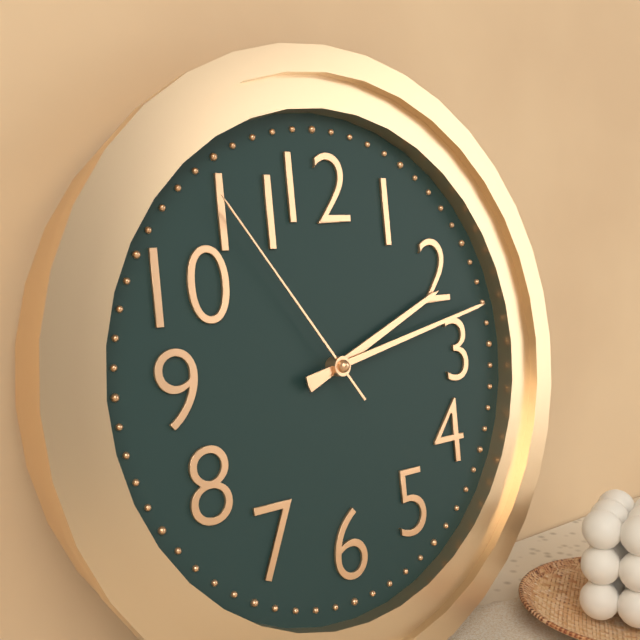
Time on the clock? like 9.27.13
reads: 2.13.54
